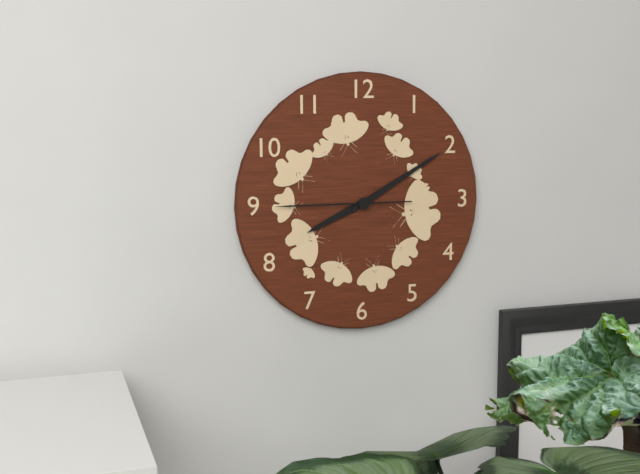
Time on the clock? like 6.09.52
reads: 8.10.45
